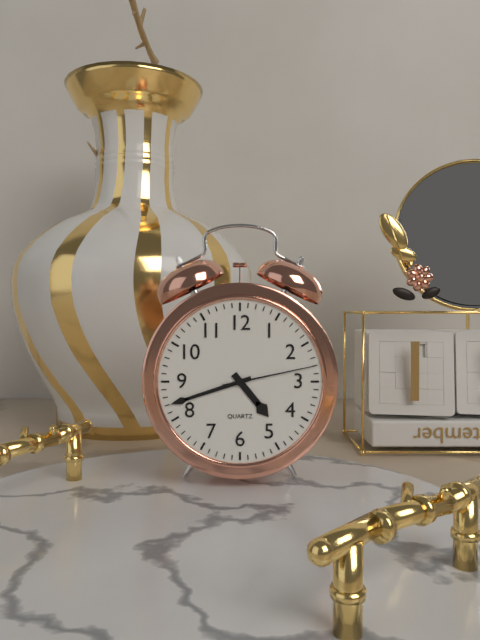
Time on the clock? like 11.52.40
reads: 4.42.13
